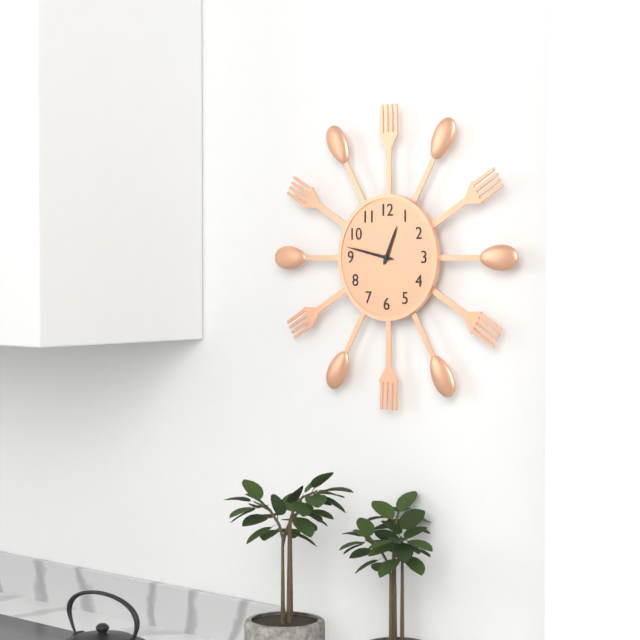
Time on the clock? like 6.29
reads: 12.47
